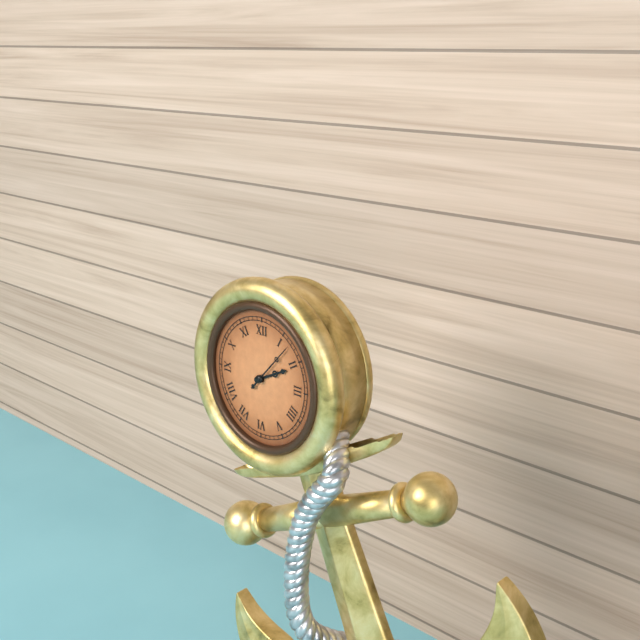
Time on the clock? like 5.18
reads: 2.07
